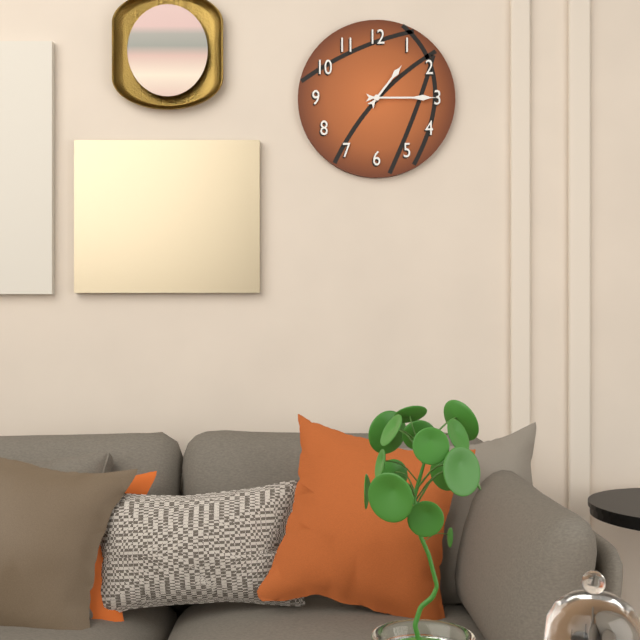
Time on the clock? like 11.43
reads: 1.15
